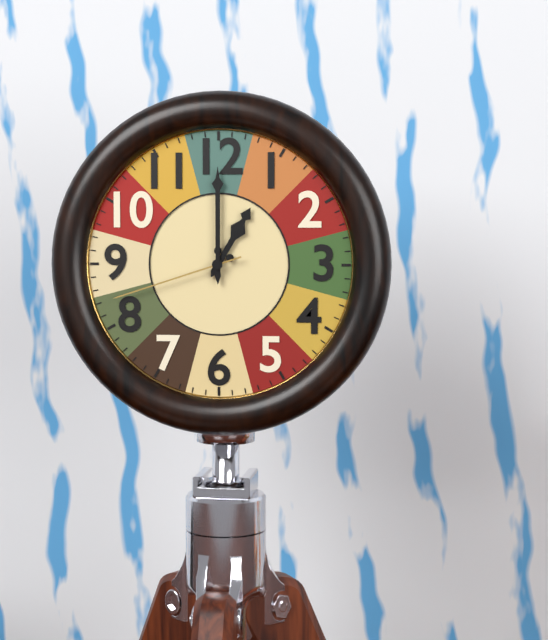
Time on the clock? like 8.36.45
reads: 1.00.42
